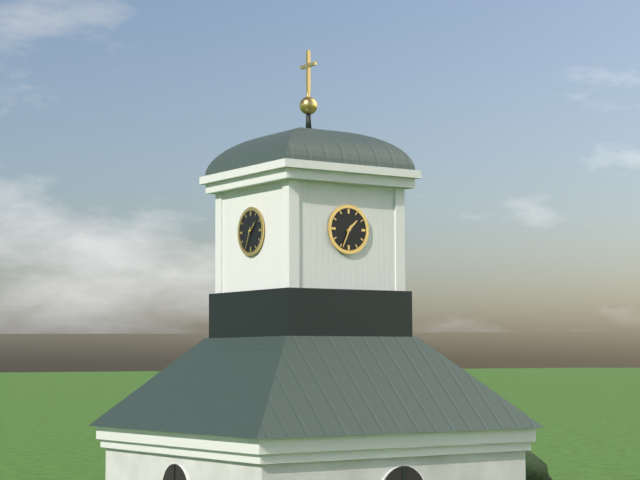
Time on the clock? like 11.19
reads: 1.34
